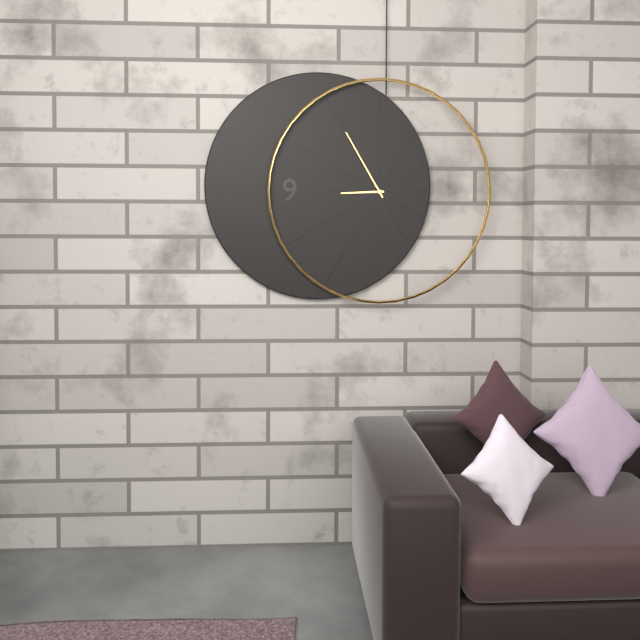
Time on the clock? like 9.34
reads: 8.55
